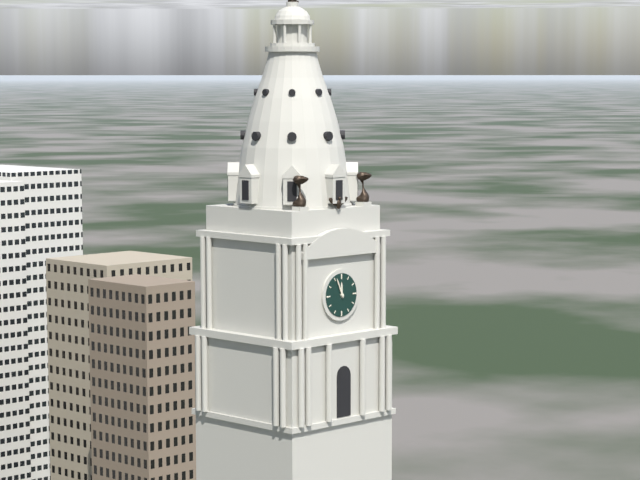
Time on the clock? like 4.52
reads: 11.56
